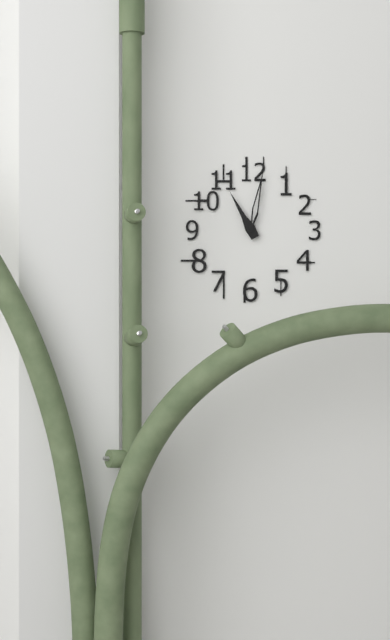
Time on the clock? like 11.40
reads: 11.02
